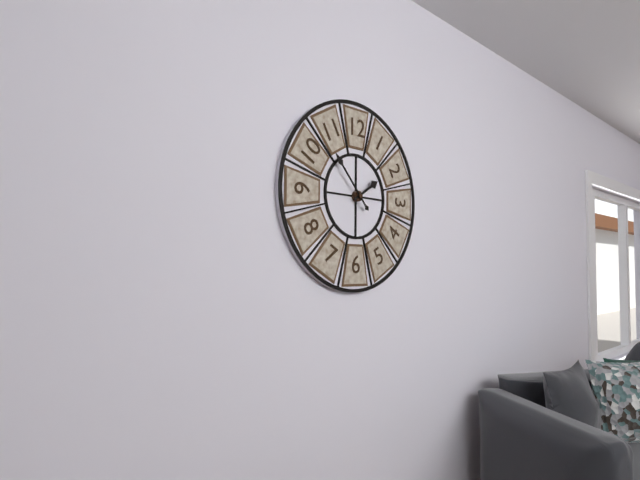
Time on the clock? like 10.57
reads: 1.53
